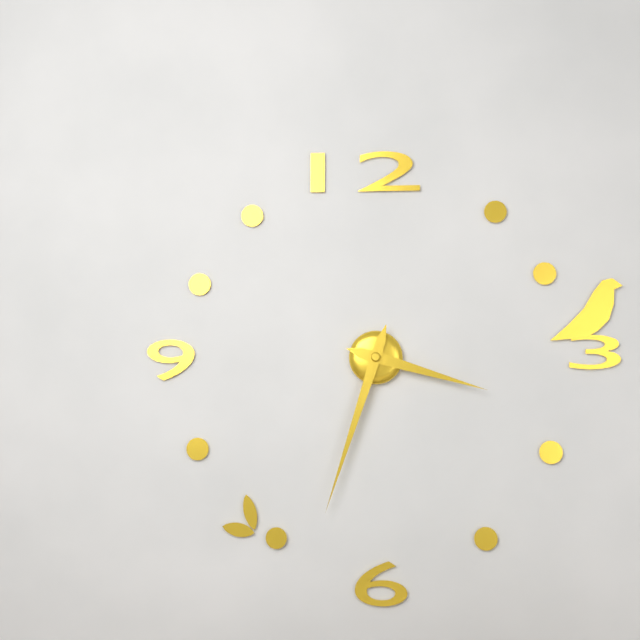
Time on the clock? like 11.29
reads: 3.33
